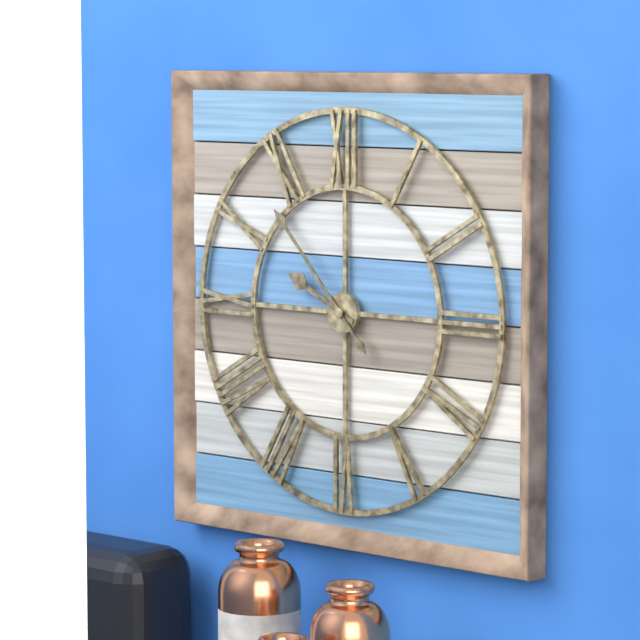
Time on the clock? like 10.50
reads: 9.53
